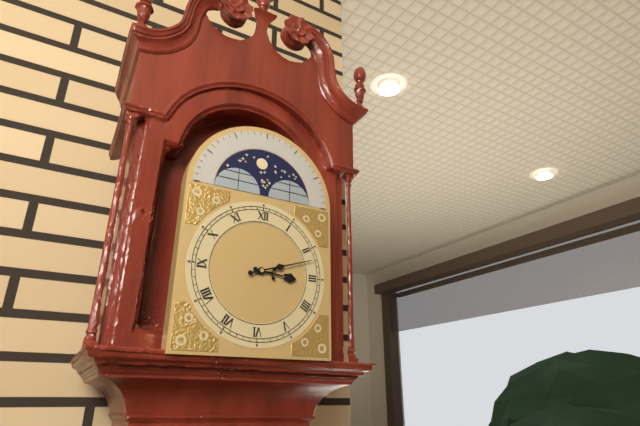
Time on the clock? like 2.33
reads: 3.12
